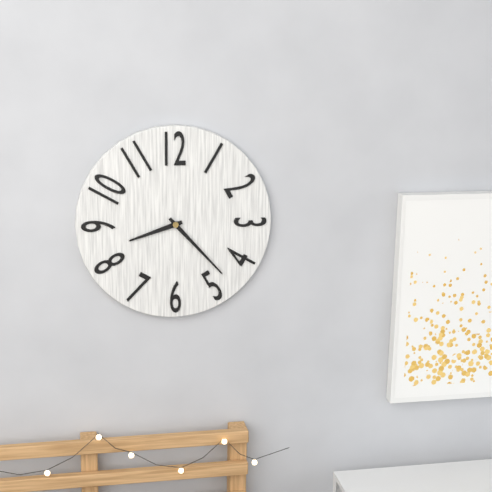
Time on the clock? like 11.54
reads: 8.23
